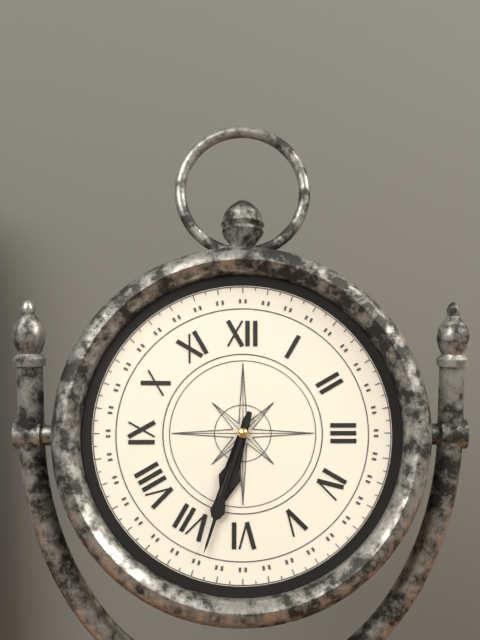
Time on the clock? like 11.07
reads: 6.33
